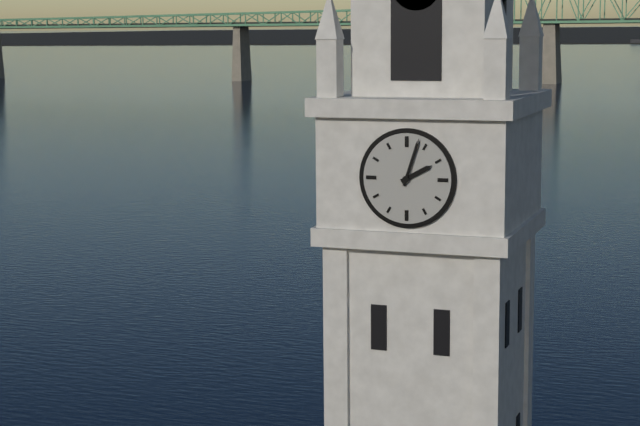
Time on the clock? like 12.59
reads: 2.03
